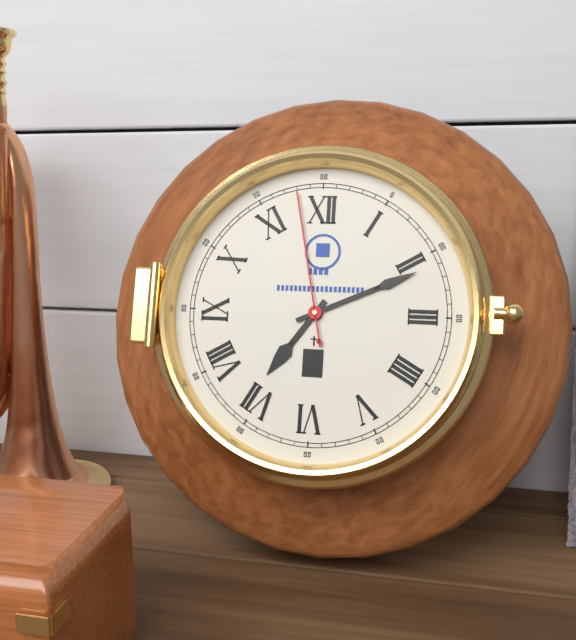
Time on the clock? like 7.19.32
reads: 7.11.58
